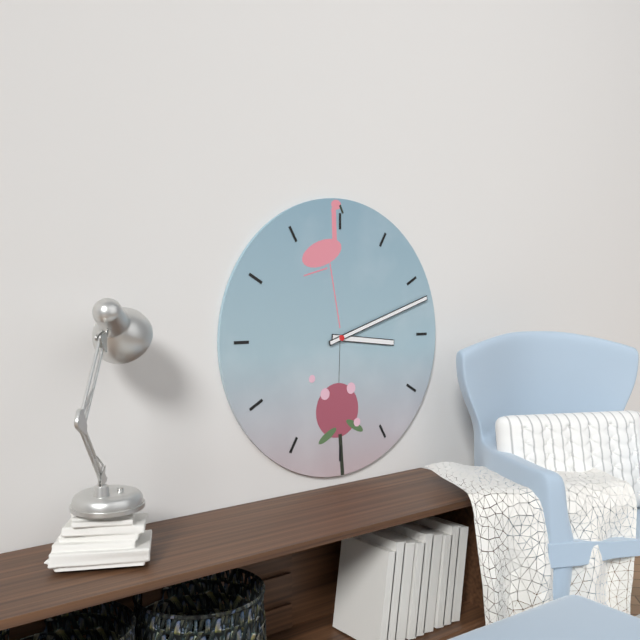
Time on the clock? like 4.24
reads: 3.12
